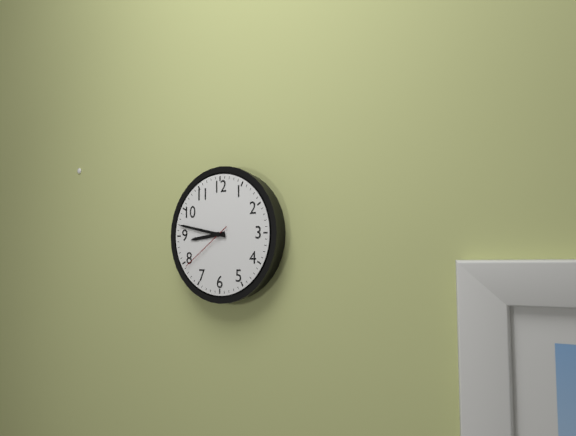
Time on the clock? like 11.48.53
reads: 8.47.39
